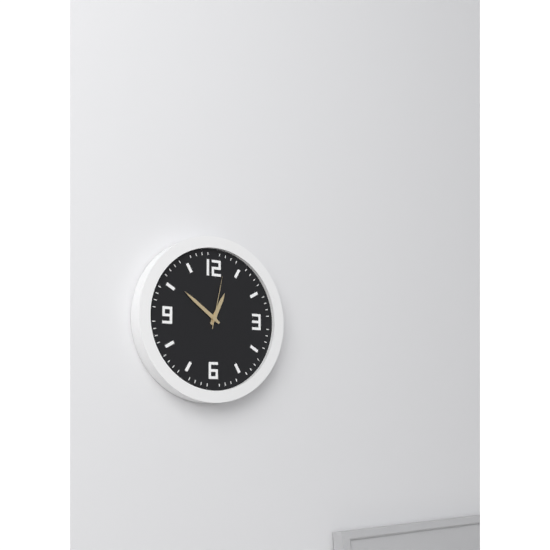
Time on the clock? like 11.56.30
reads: 12.51.02
